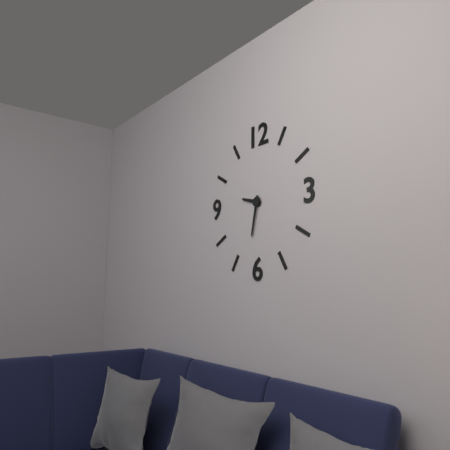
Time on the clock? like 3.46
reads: 9.32
